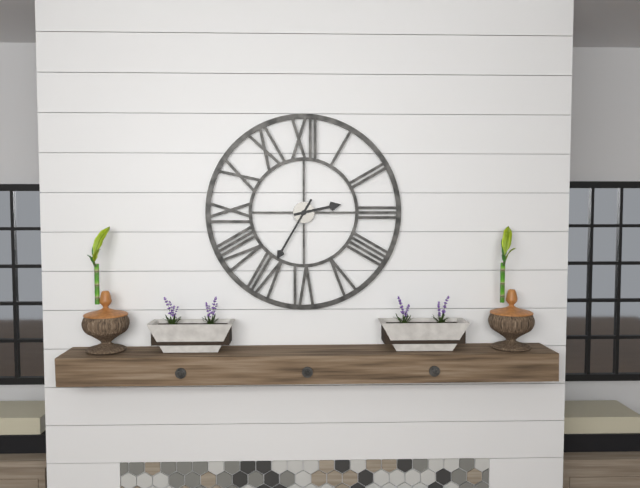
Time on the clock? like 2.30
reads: 2.35
